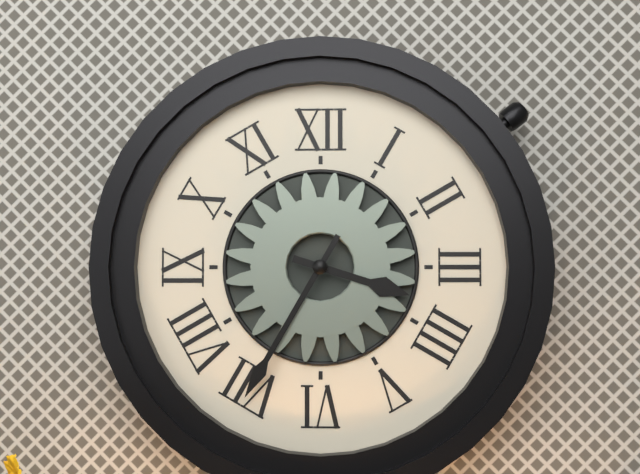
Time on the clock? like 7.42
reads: 3.35
